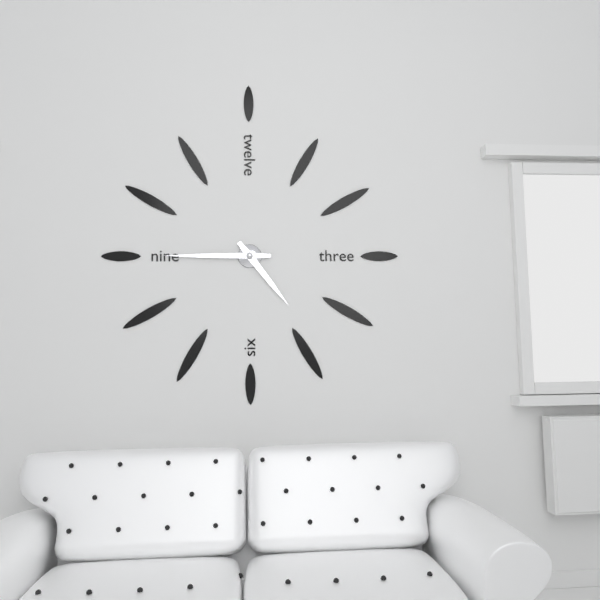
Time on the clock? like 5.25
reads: 4.45
